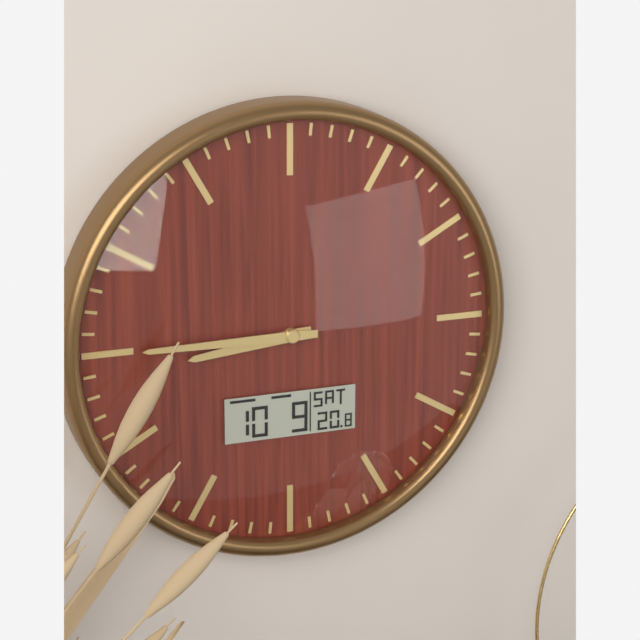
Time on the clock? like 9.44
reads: 8.45
